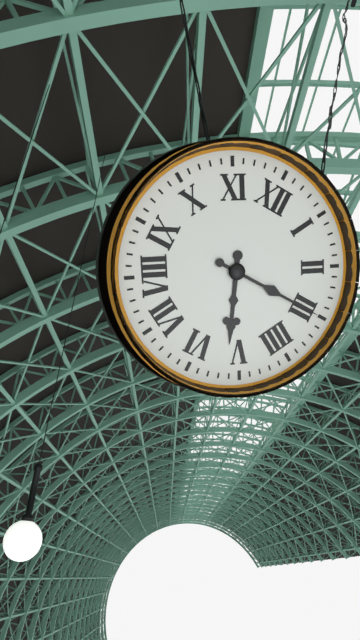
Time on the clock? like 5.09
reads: 5.15
